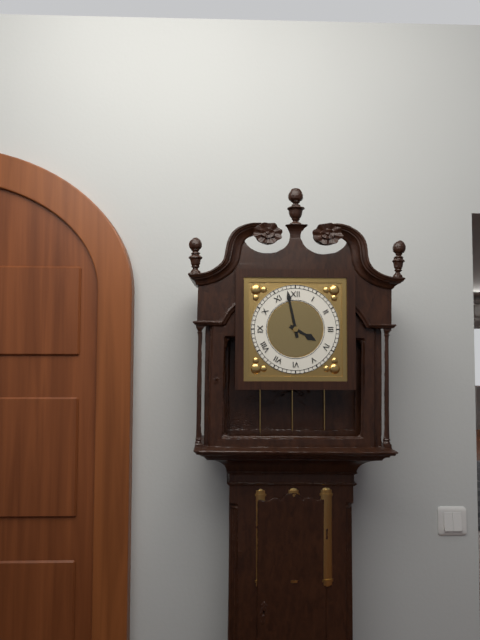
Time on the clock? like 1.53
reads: 3.58
